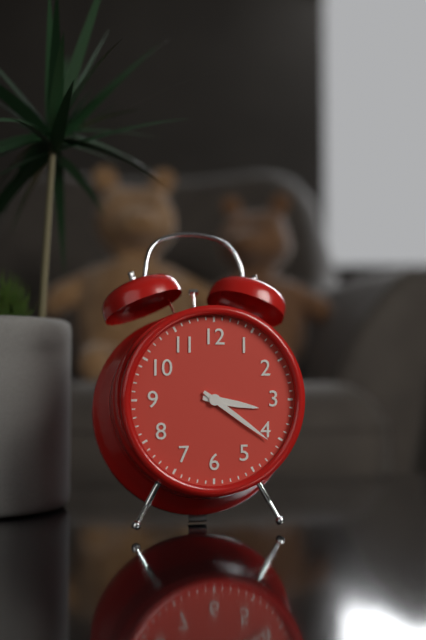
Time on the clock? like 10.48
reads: 3.21
